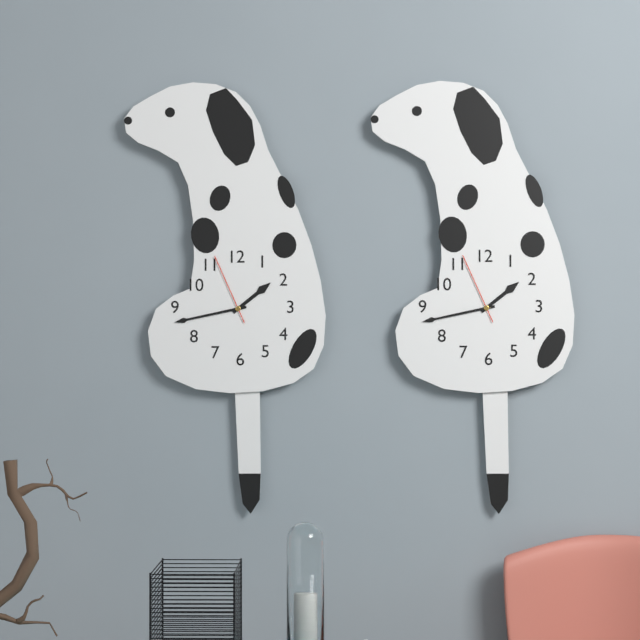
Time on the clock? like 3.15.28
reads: 1.43.56
